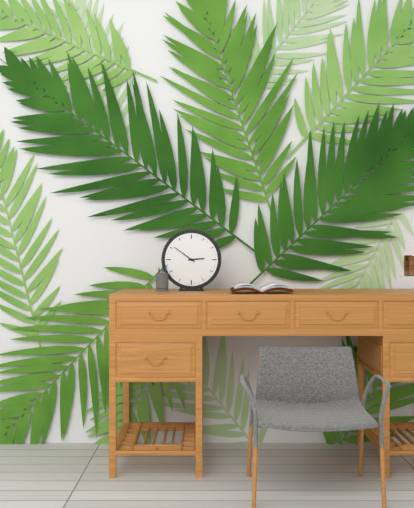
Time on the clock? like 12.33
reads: 2.51
